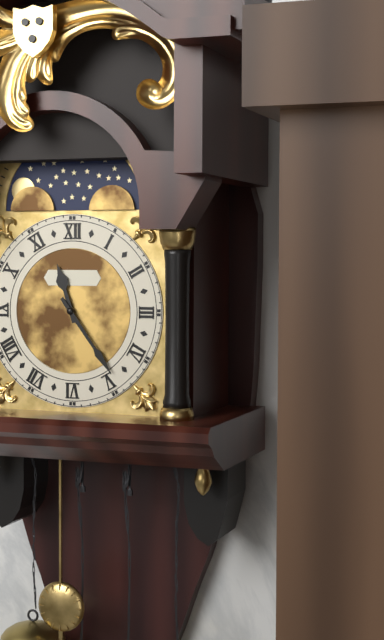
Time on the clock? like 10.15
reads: 11.24
